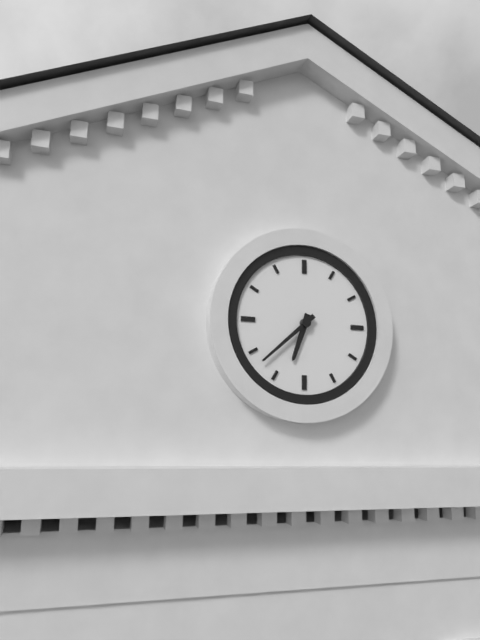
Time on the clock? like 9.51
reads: 6.38
